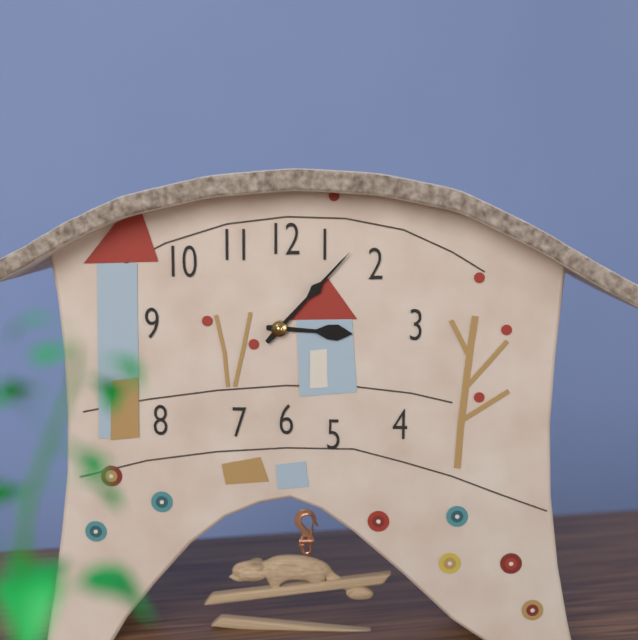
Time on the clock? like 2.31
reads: 3.07
